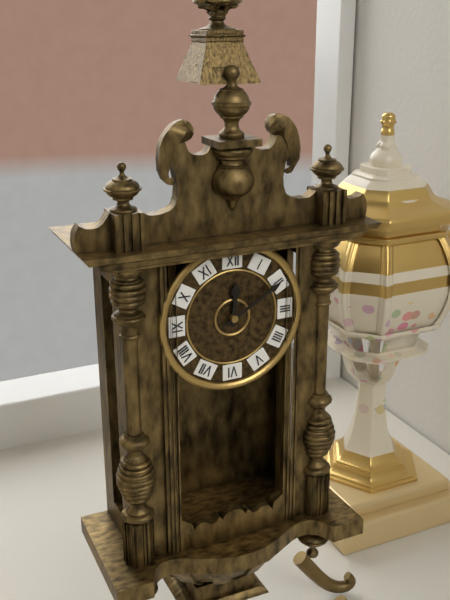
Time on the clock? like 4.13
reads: 12.10
